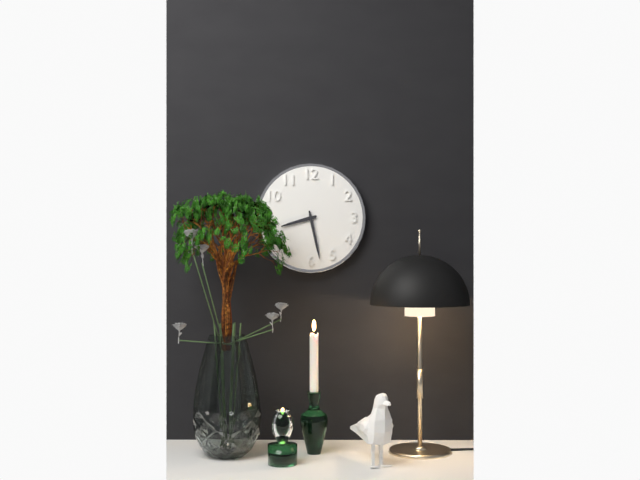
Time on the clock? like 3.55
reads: 8.28
